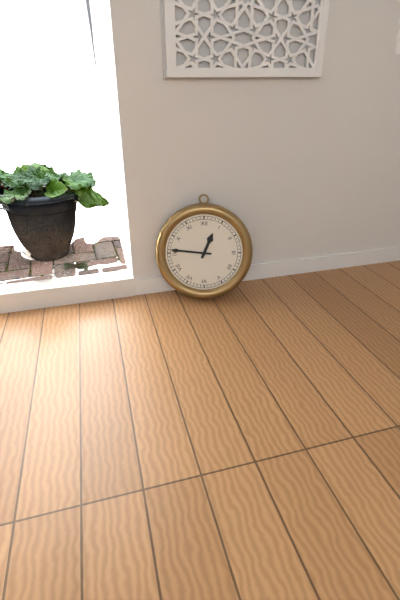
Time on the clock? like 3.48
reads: 12.46
